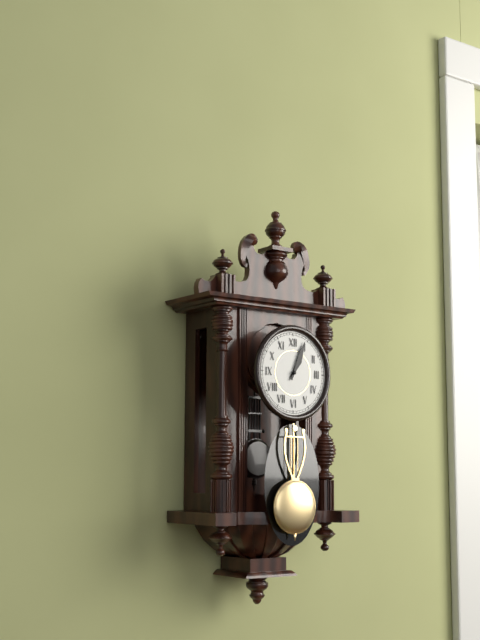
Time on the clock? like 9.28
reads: 1.04
